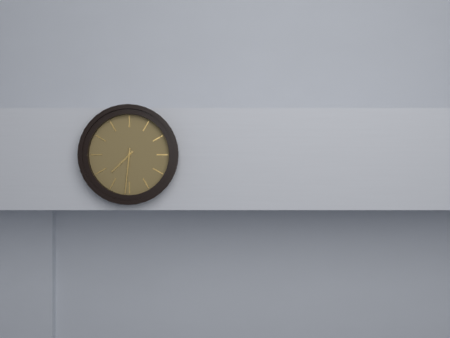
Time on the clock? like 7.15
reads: 7.31
